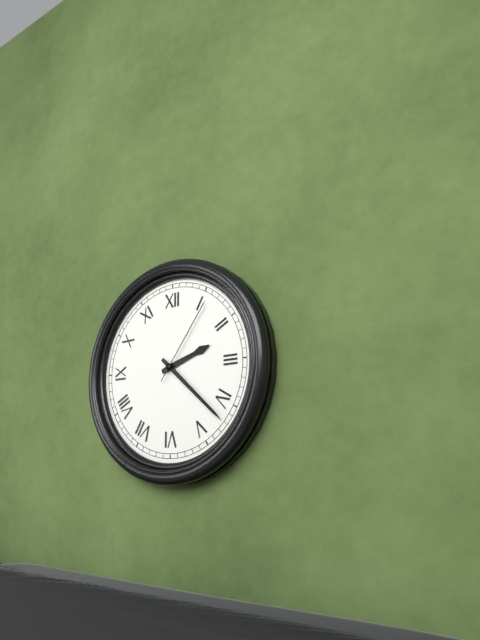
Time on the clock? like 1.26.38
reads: 2.22.06
